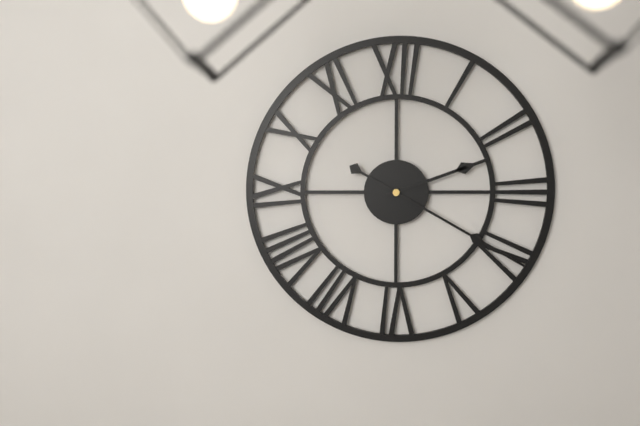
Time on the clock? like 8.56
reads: 2.20
